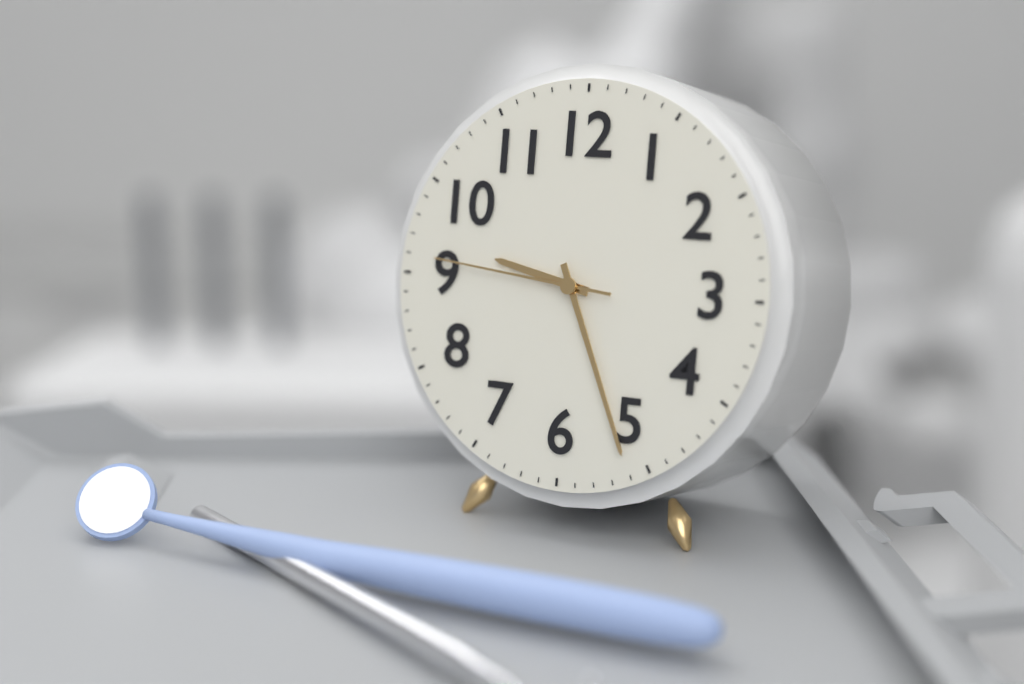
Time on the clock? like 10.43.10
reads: 9.26.46
